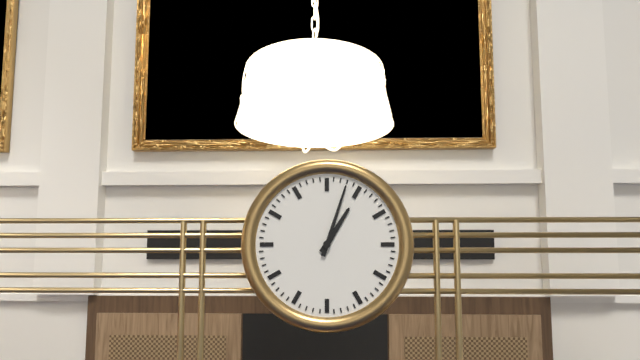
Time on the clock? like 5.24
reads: 1.03
